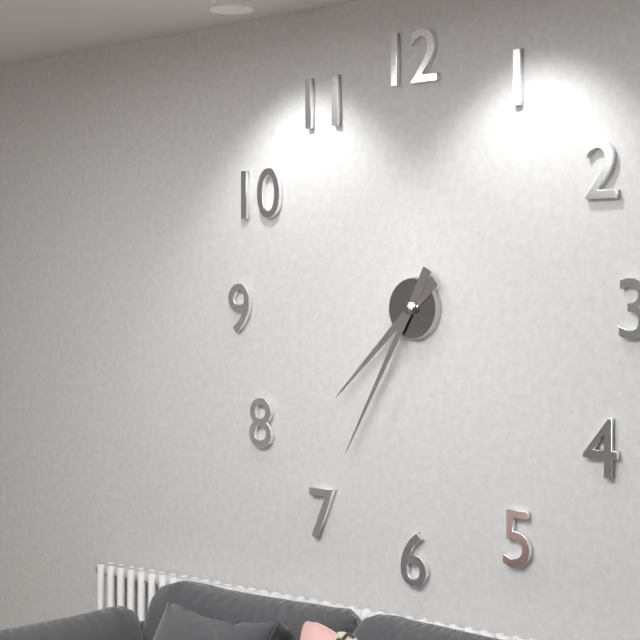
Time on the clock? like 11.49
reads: 7.35
